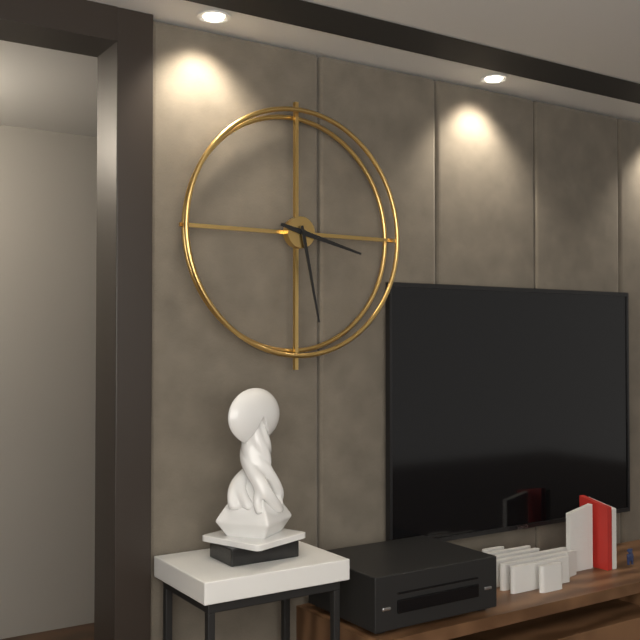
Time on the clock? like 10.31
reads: 3.28
